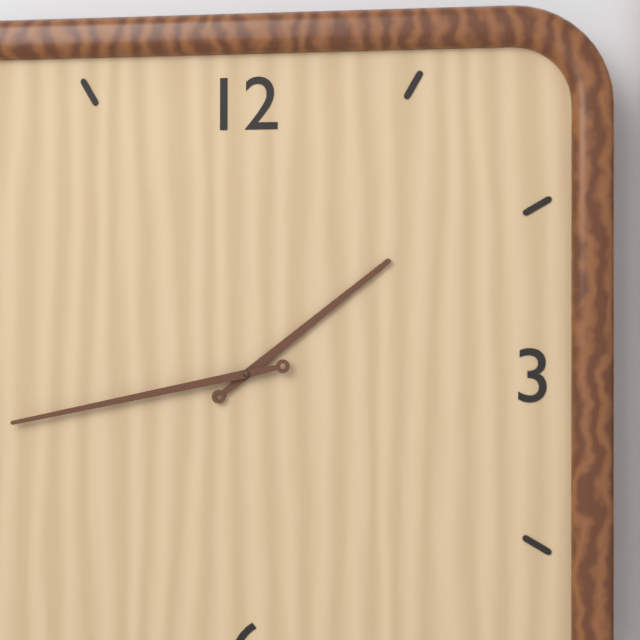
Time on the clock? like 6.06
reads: 1.43
